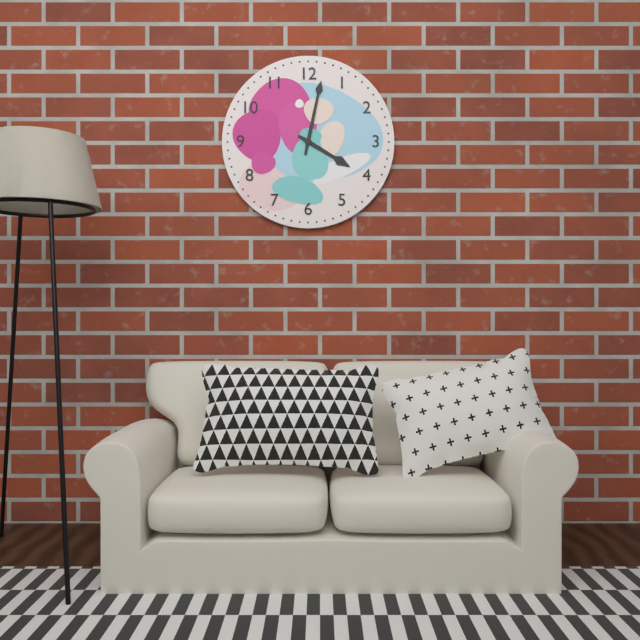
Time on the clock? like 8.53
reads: 4.02
